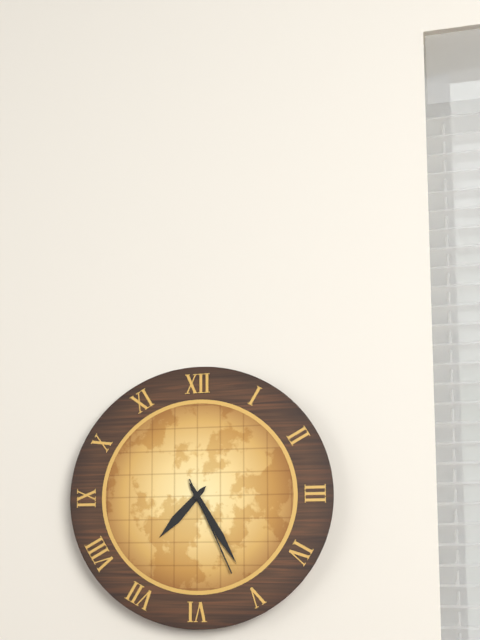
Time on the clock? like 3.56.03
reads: 7.25.26
